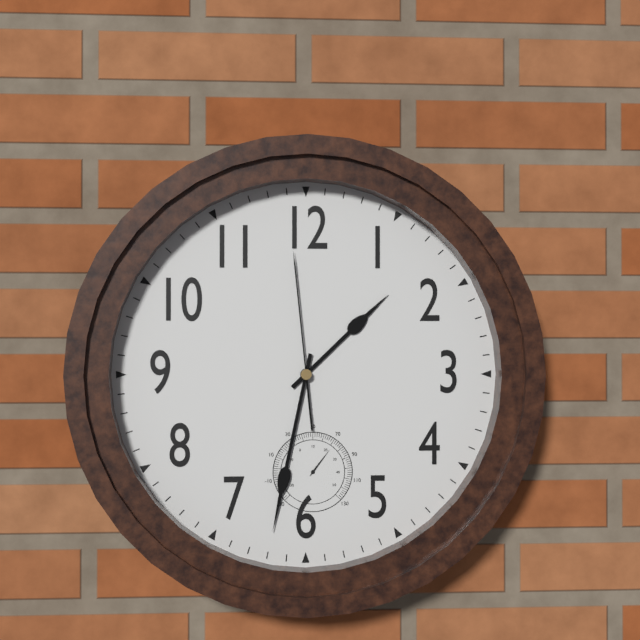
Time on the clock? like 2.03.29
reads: 1.32.59
